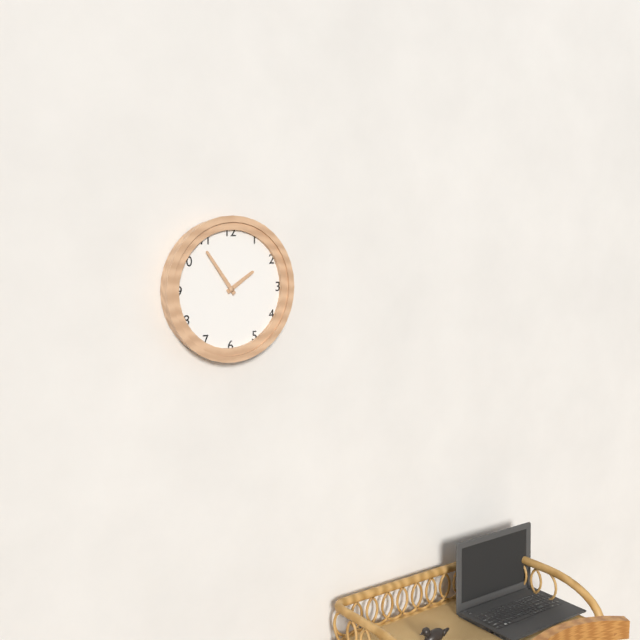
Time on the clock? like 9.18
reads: 1.54
